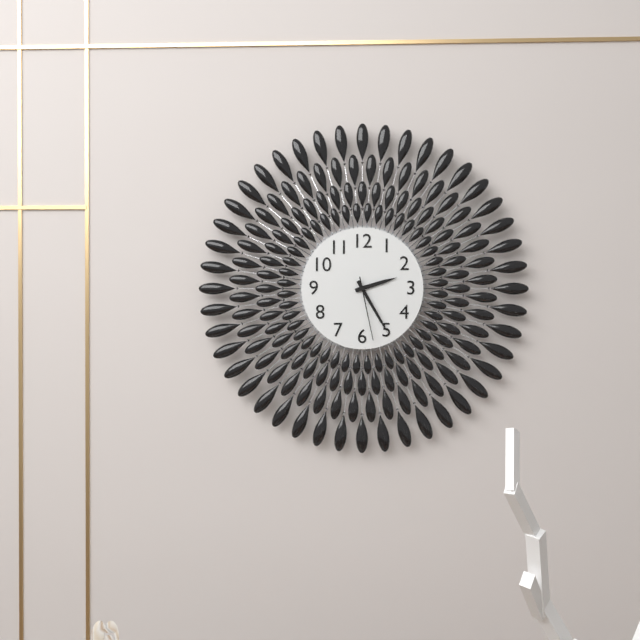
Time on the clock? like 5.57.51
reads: 2.25.28
